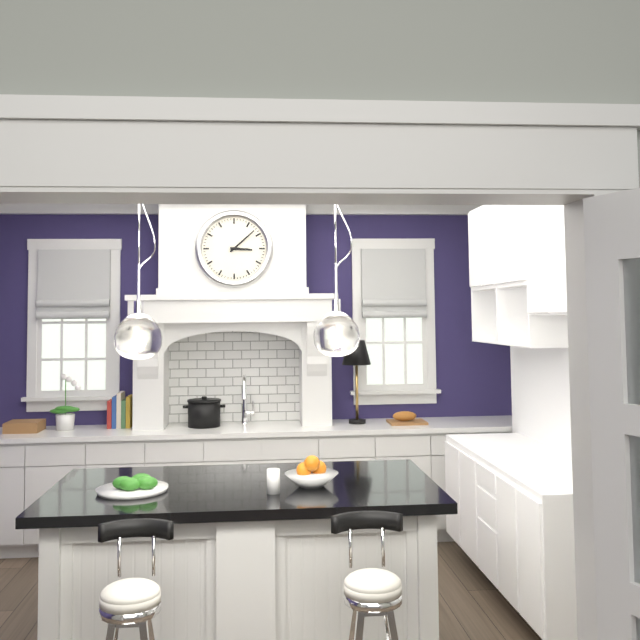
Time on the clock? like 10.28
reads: 3.08
